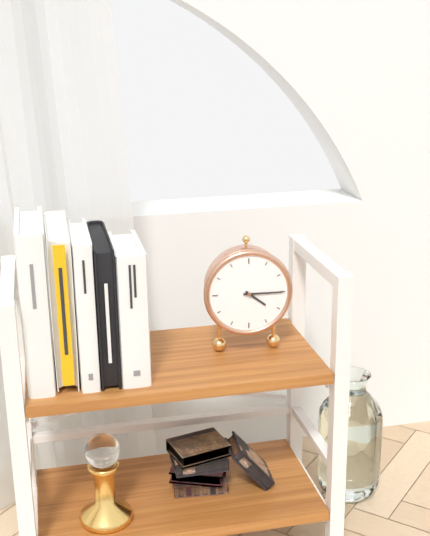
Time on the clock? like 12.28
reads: 4.15
